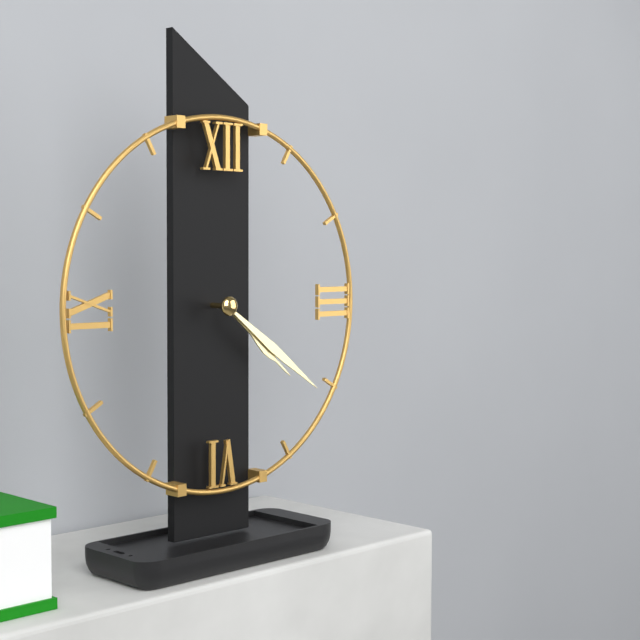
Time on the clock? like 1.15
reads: 4.21
